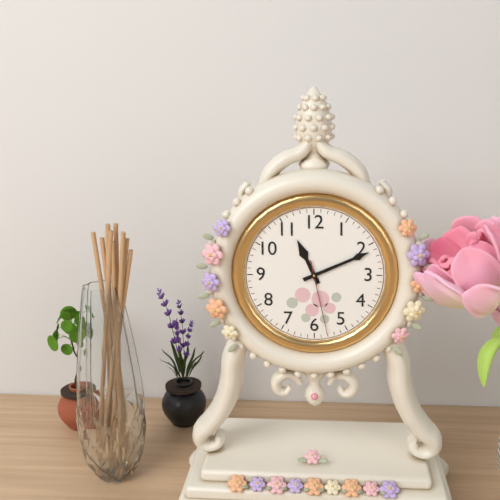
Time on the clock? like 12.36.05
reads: 11.11.28
